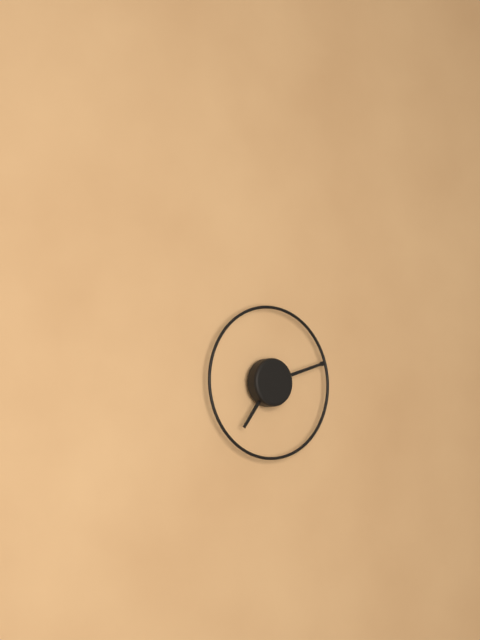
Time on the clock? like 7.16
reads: 7.12
